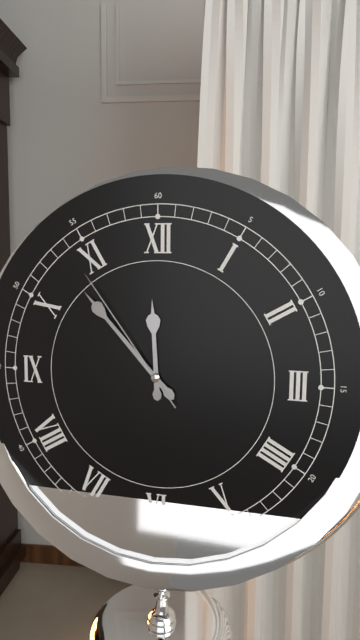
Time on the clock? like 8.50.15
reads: 11.53.54
